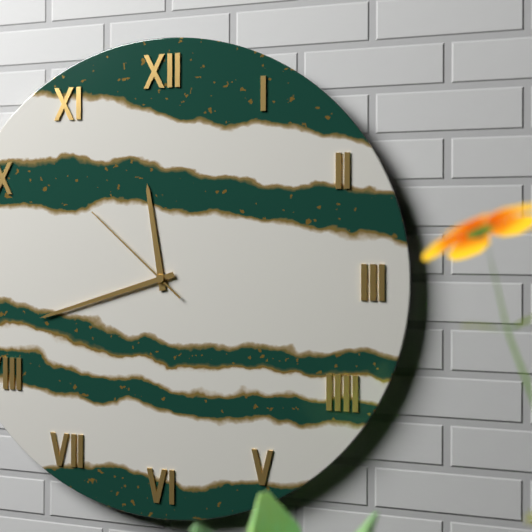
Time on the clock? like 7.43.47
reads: 11.42.52
